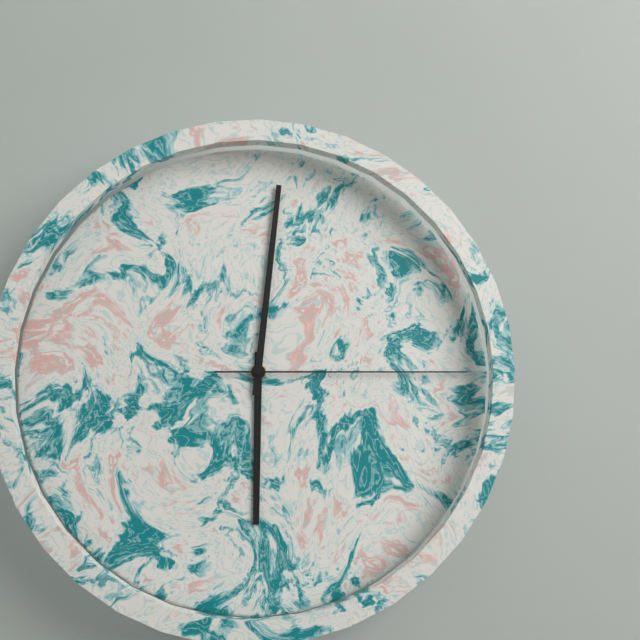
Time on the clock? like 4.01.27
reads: 6.01.15
